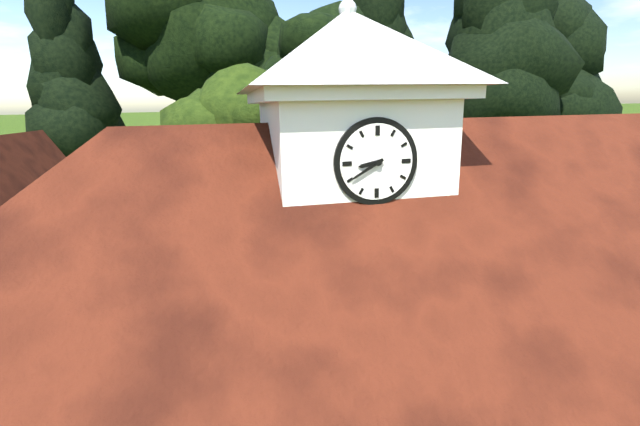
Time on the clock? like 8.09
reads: 8.40
